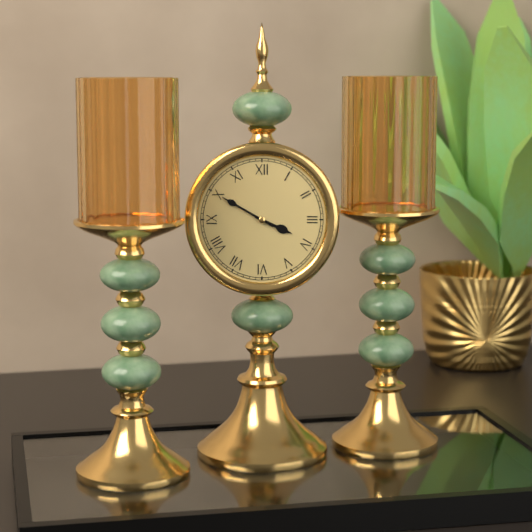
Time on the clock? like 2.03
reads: 3.50
